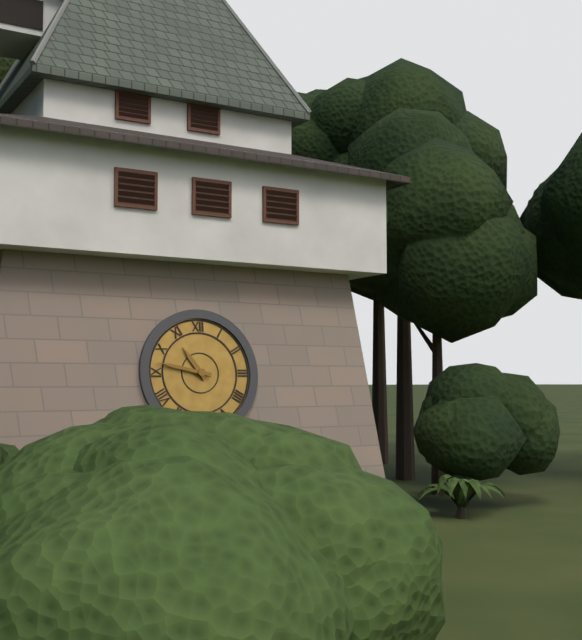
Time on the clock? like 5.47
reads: 10.47
